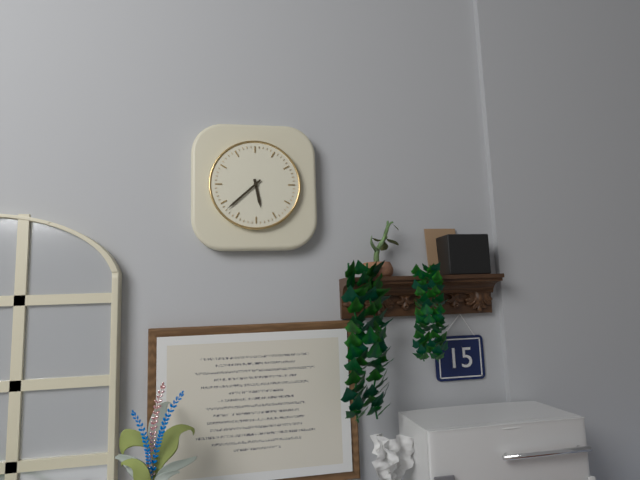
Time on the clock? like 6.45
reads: 5.38
